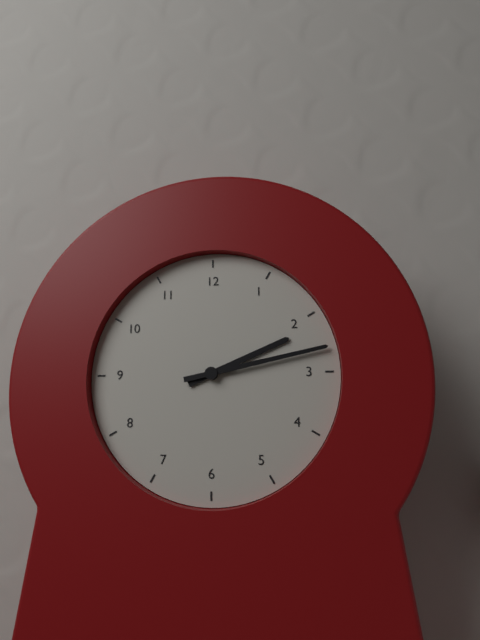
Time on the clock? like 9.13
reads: 2.13
